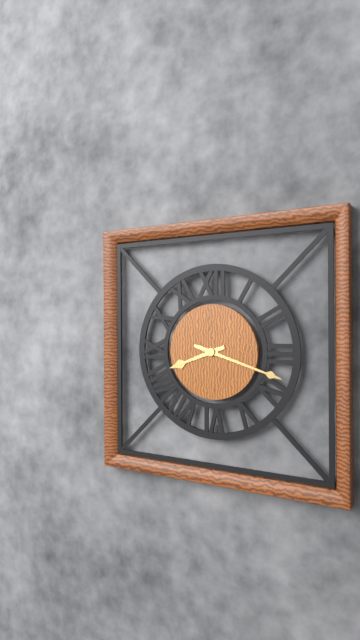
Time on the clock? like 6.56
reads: 8.18
